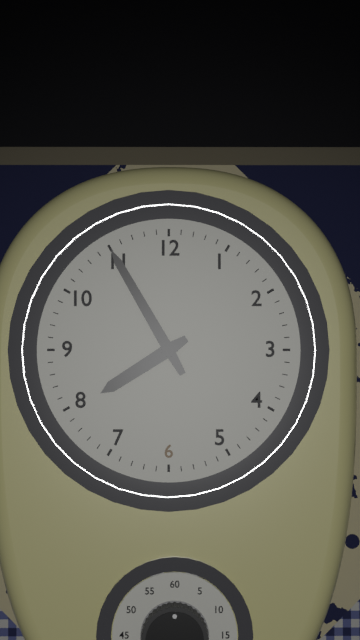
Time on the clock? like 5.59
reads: 7.55
